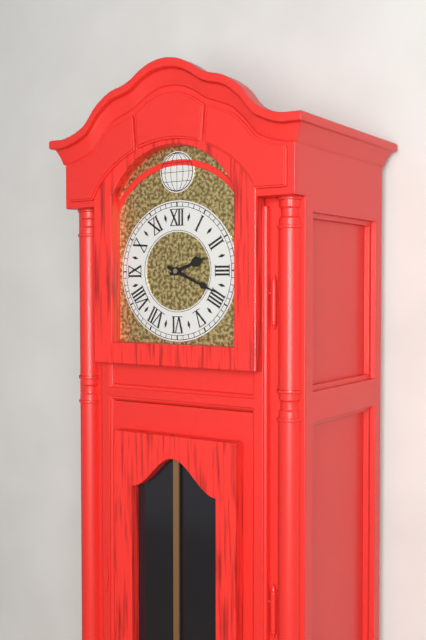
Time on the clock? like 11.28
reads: 2.19
